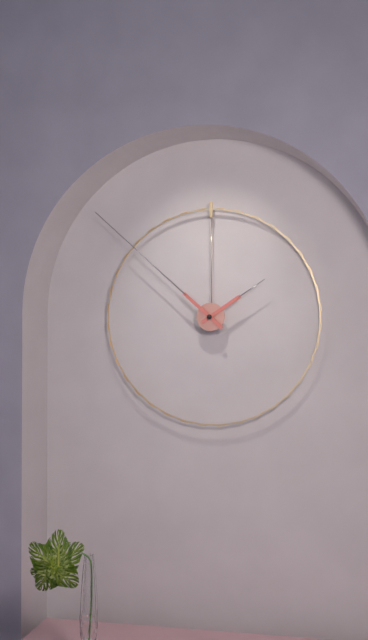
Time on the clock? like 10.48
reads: 1.52
